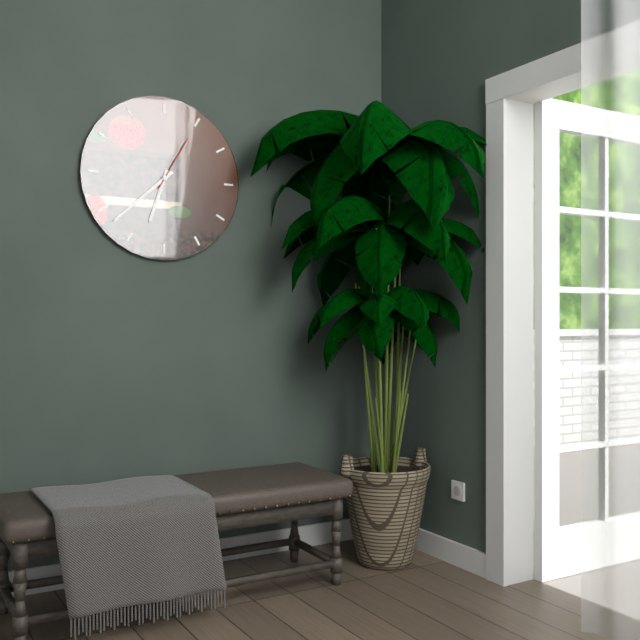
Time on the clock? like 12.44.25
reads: 6.38.05
